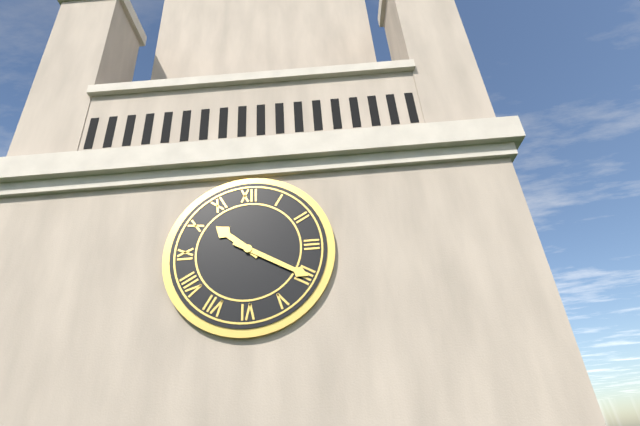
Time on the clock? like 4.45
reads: 10.20
